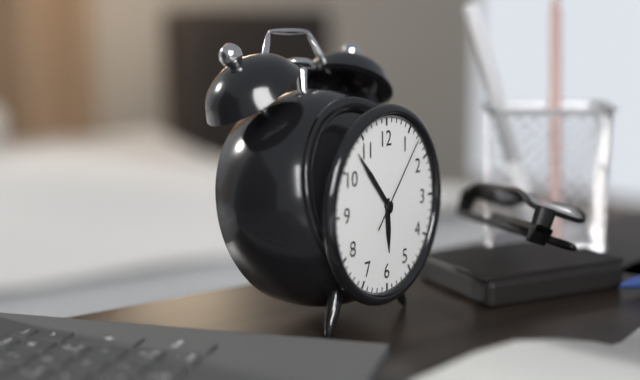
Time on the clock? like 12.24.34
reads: 5.53.07
